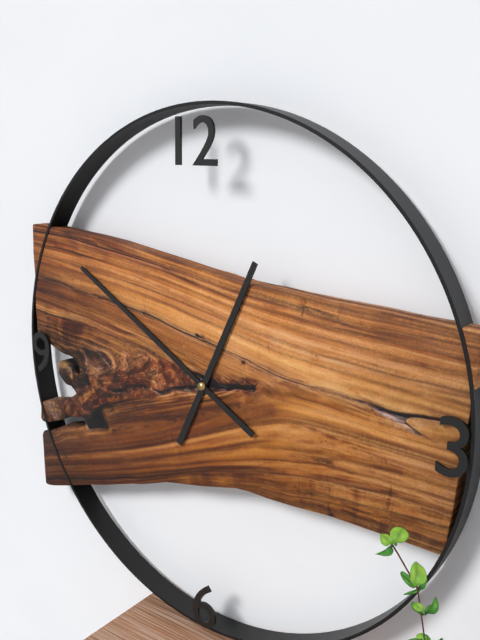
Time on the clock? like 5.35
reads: 12.50
